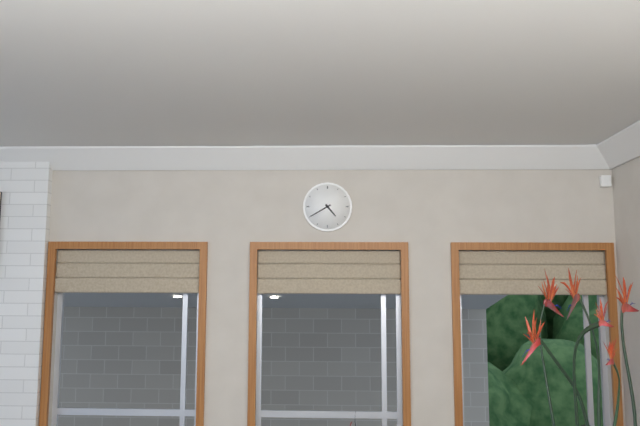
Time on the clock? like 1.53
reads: 4.40
